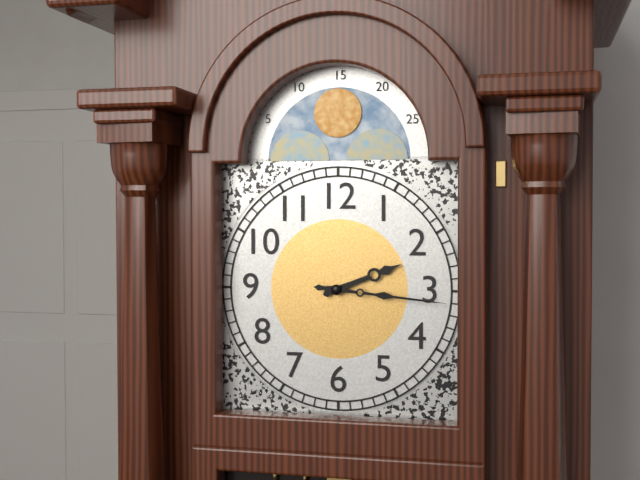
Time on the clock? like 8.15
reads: 2.16
